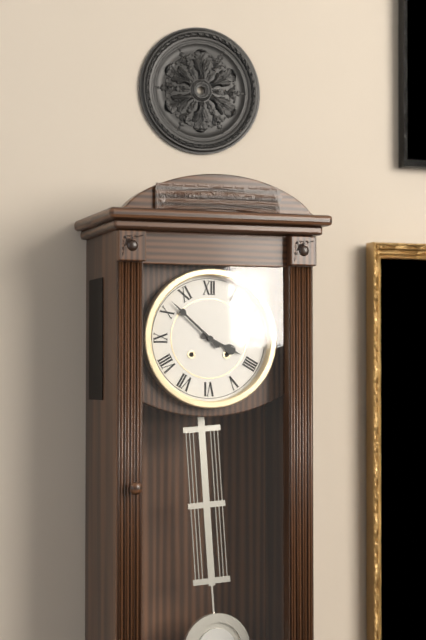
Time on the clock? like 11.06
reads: 3.52
